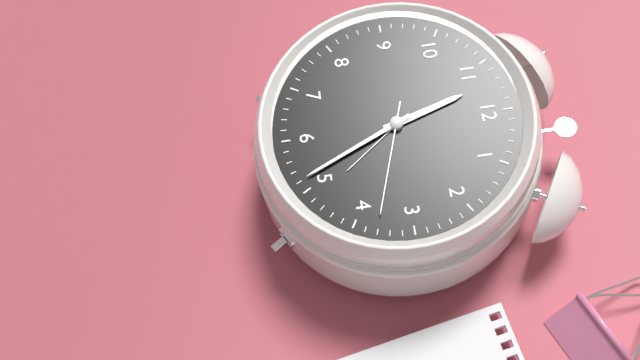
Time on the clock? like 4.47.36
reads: 11.26.18
